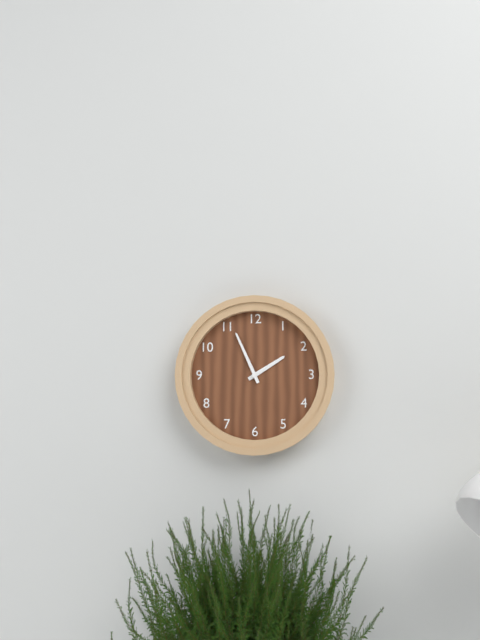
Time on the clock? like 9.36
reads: 1.56
